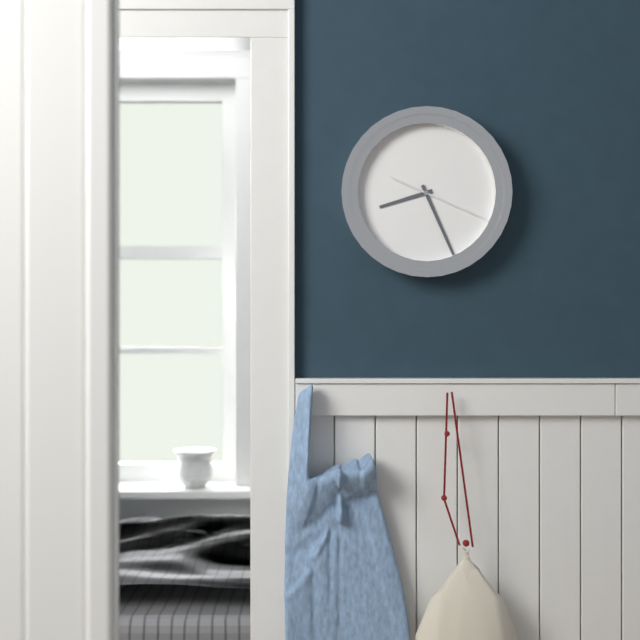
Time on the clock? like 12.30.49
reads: 8.26.19
